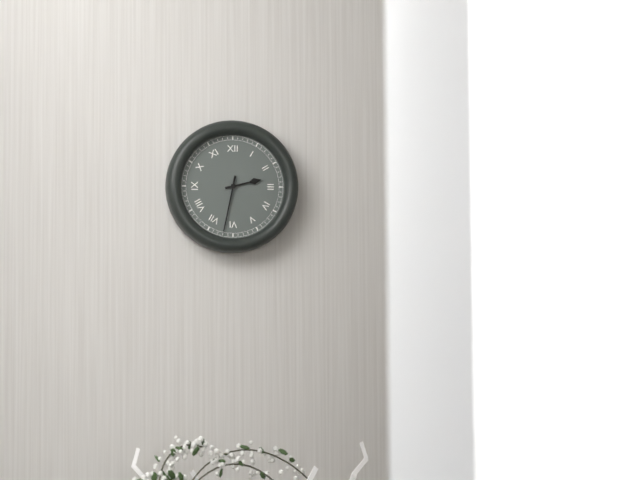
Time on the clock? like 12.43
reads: 2.32
